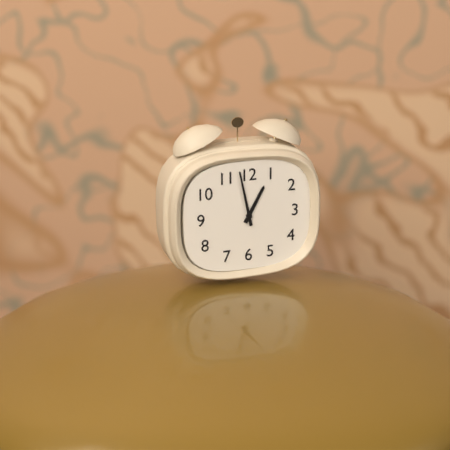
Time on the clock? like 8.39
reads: 12.58
